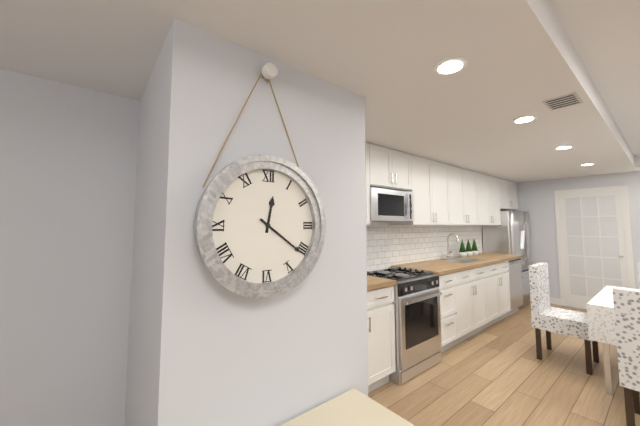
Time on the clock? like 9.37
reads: 12.21
